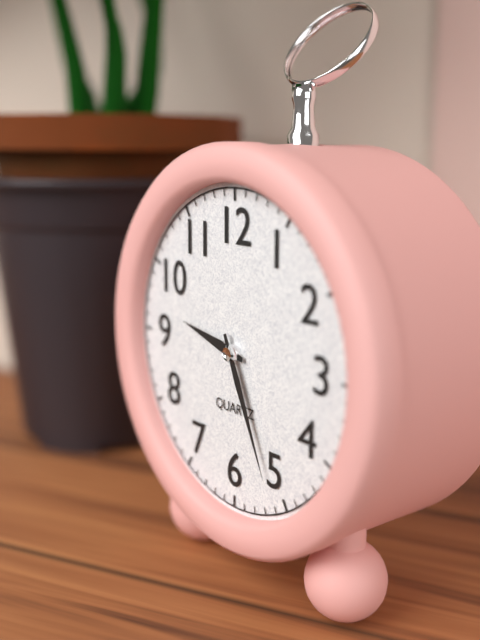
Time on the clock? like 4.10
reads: 9.26
